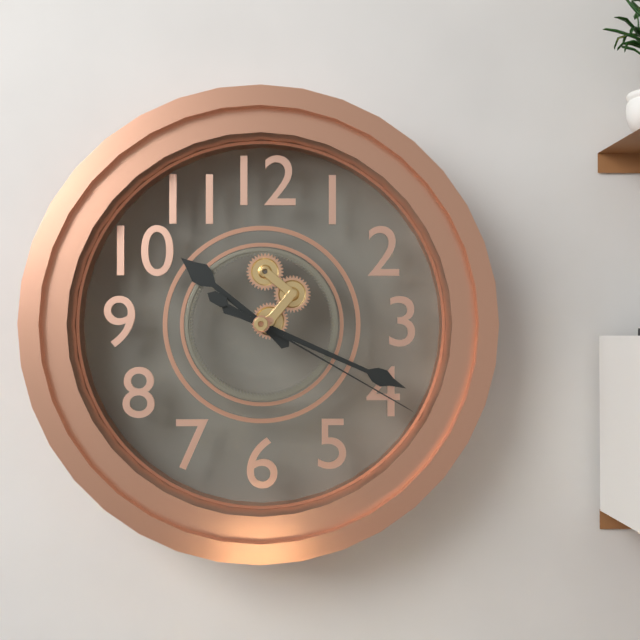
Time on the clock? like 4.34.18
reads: 10.19.20
